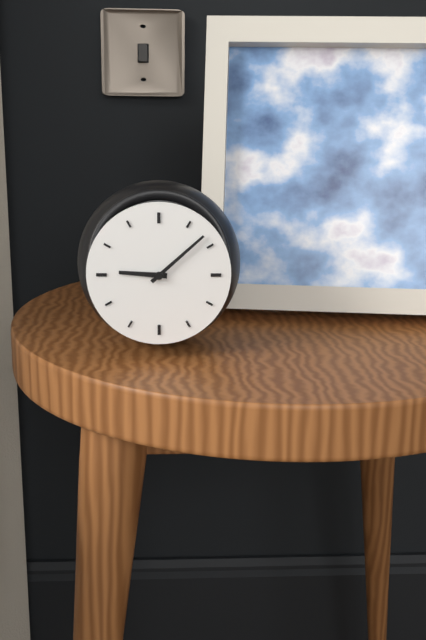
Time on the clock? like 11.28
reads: 9.08
